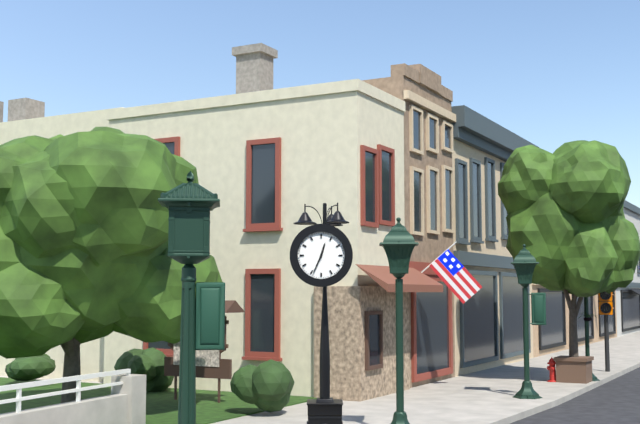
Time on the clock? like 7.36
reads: 12.34
